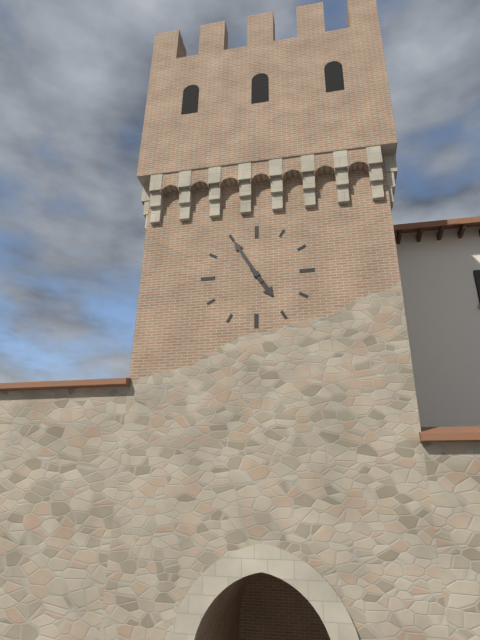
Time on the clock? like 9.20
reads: 4.55
